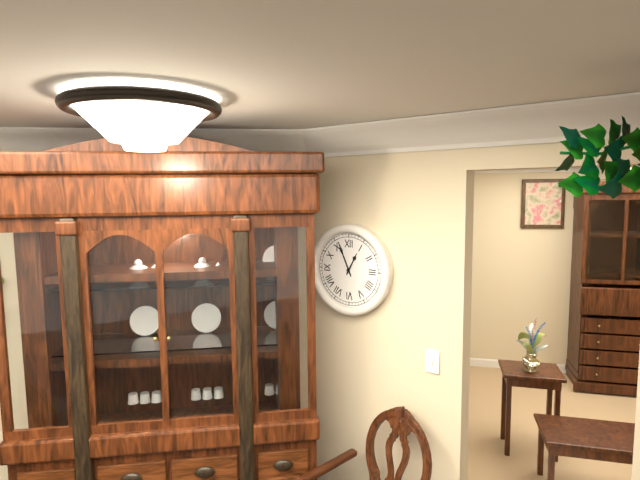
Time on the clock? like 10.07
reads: 12.56
